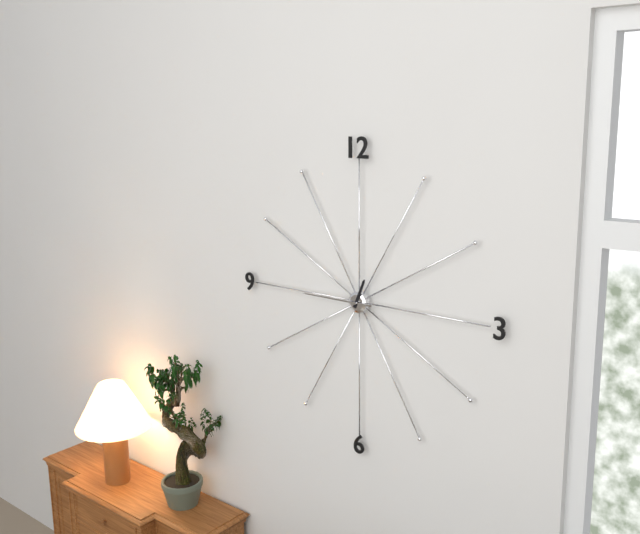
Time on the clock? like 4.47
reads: 12.45
